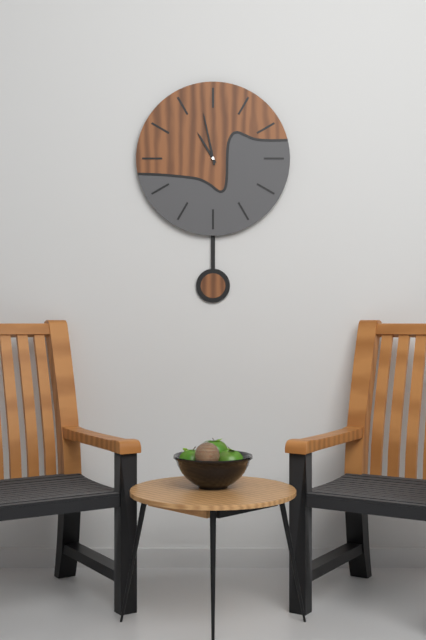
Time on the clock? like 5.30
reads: 10.58
